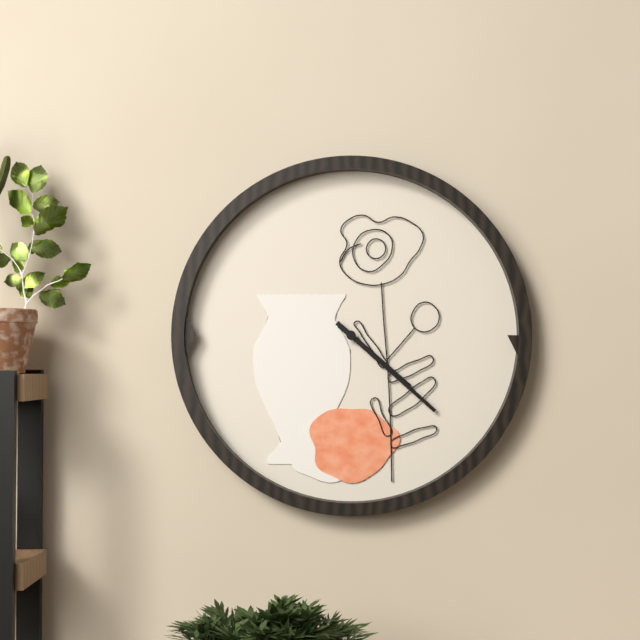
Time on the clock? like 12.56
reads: 4.22
